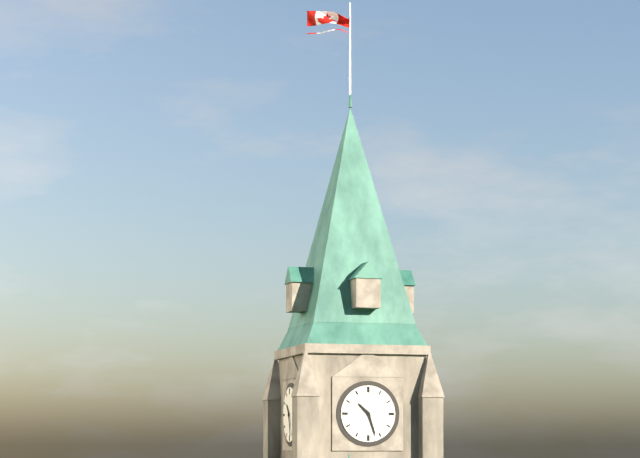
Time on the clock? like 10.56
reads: 10.27
